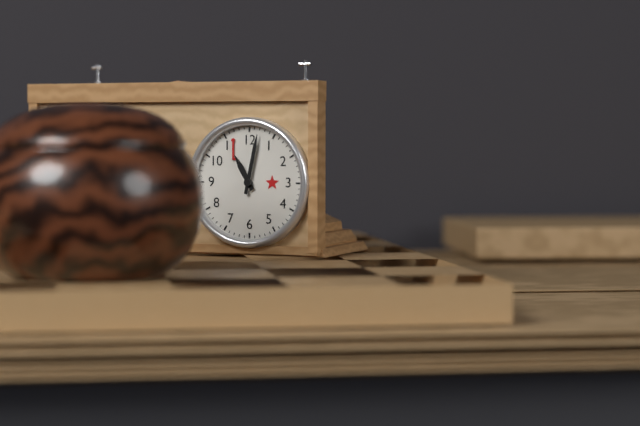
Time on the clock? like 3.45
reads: 11.02
